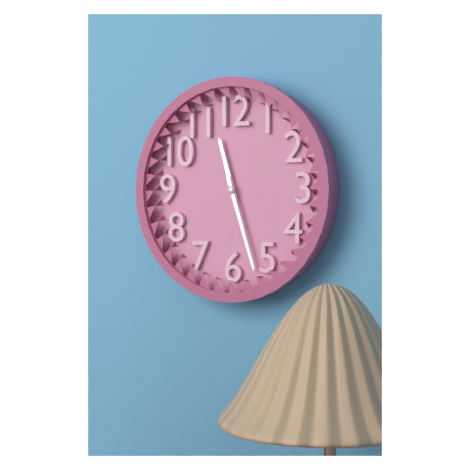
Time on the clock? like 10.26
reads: 11.27
